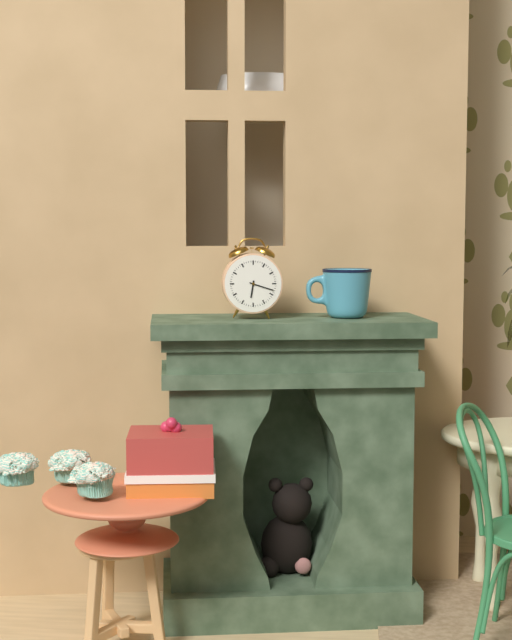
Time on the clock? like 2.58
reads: 6.18
